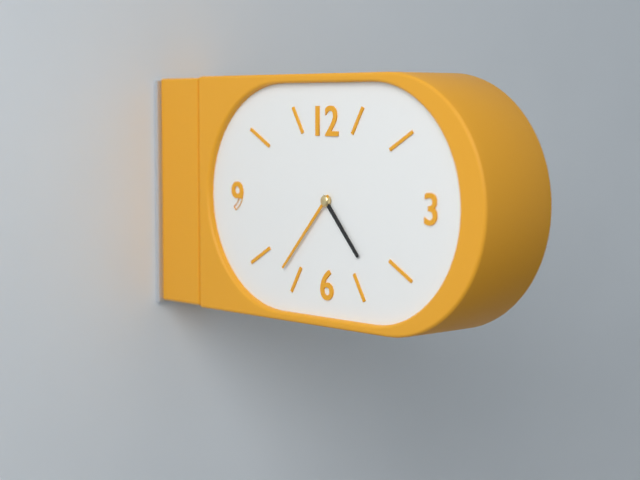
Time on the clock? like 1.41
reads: 4.37
